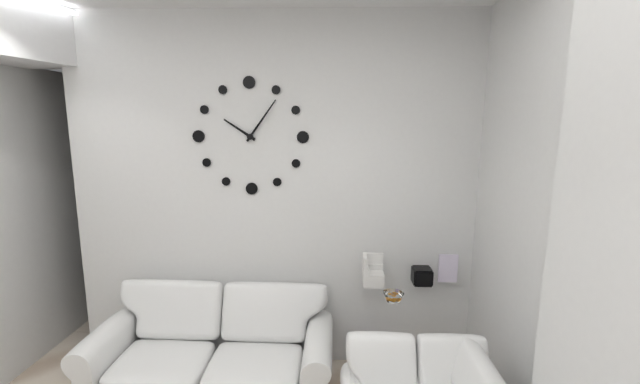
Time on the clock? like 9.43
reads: 10.06
